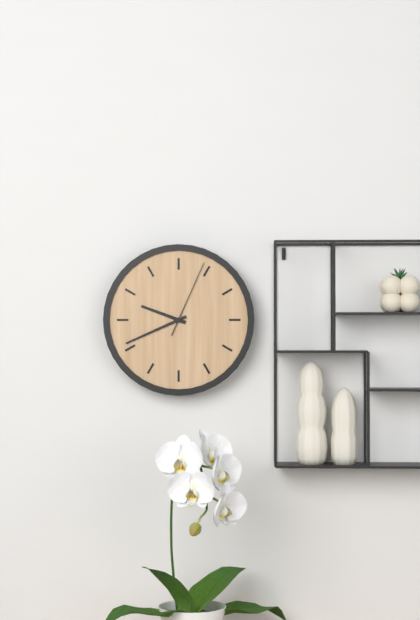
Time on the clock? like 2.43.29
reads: 9.41.04
